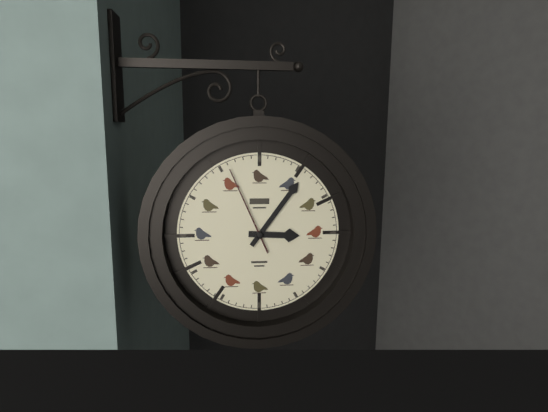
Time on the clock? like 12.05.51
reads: 3.06.56
